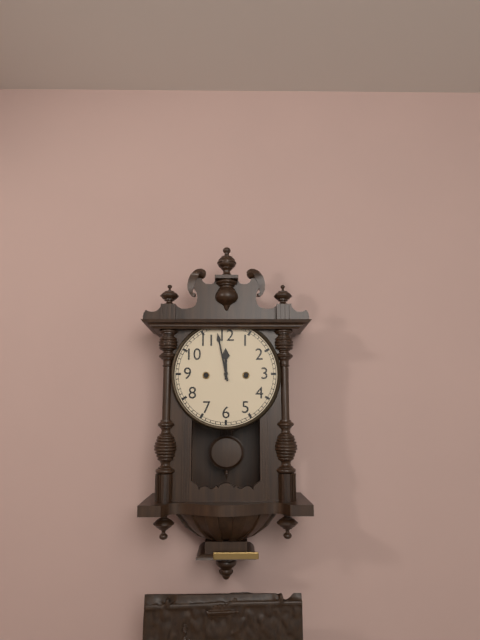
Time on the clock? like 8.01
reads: 11.58
